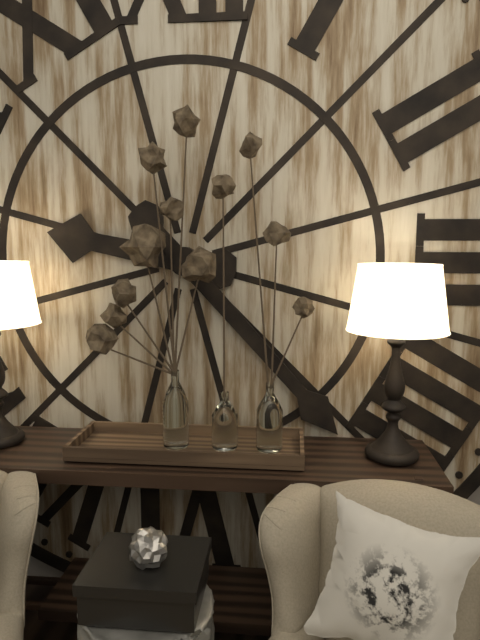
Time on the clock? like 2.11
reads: 9.23
